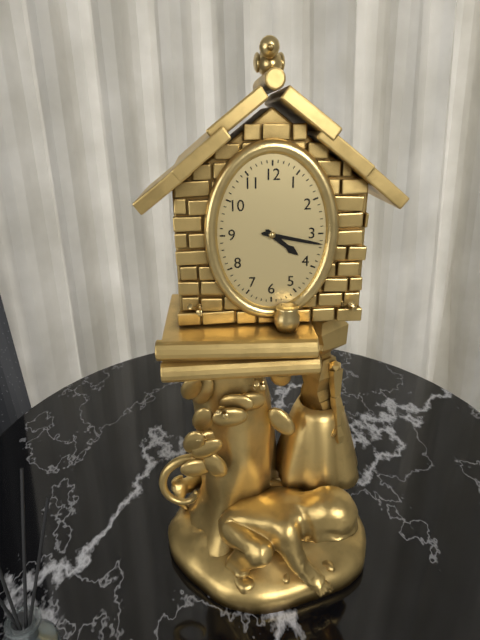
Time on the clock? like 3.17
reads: 4.17
